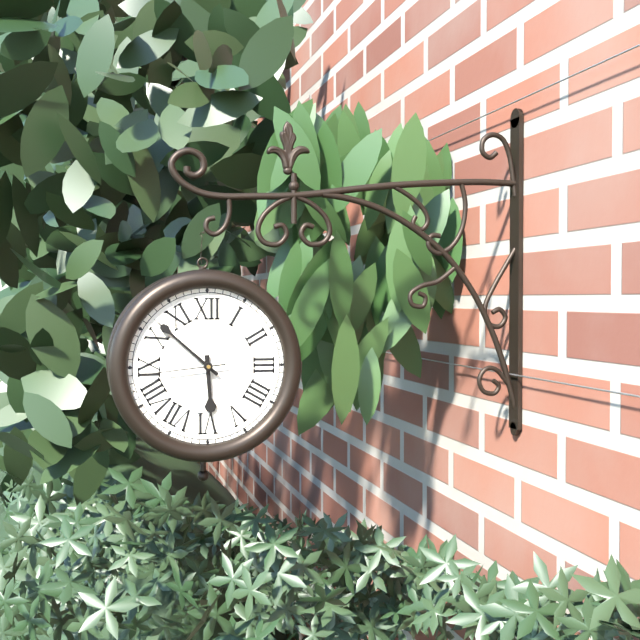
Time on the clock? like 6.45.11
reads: 5.52.44
